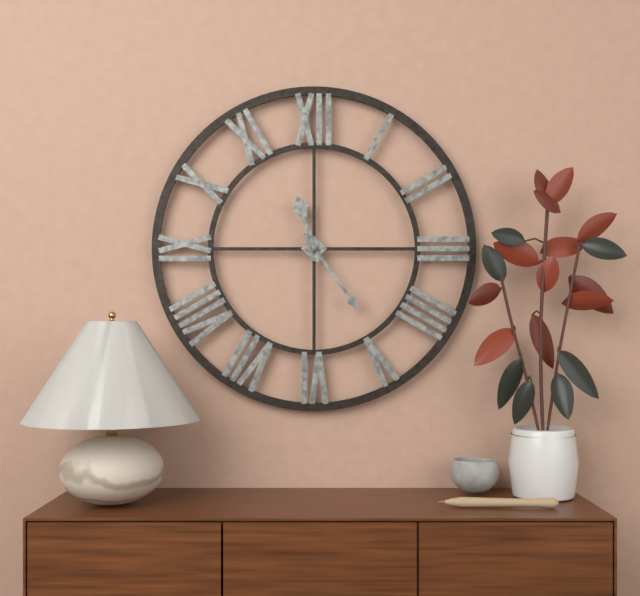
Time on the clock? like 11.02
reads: 11.24
